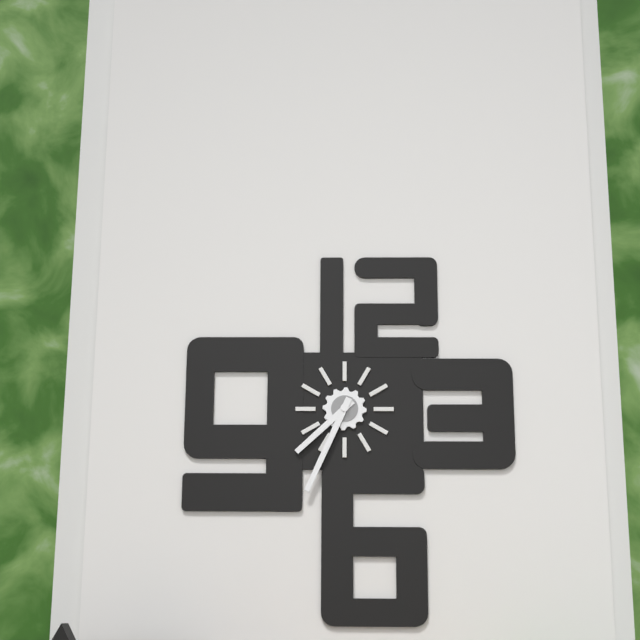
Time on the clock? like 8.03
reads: 7.34
